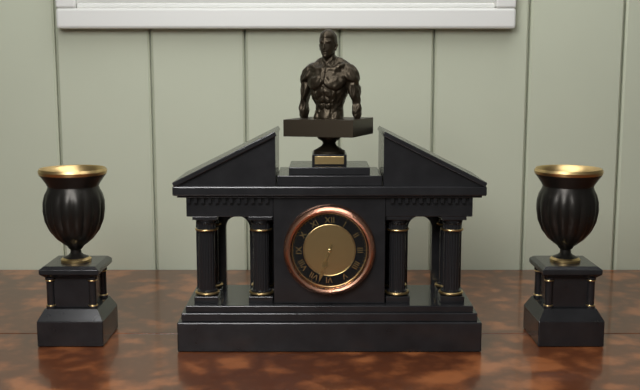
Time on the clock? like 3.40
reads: 6.33
